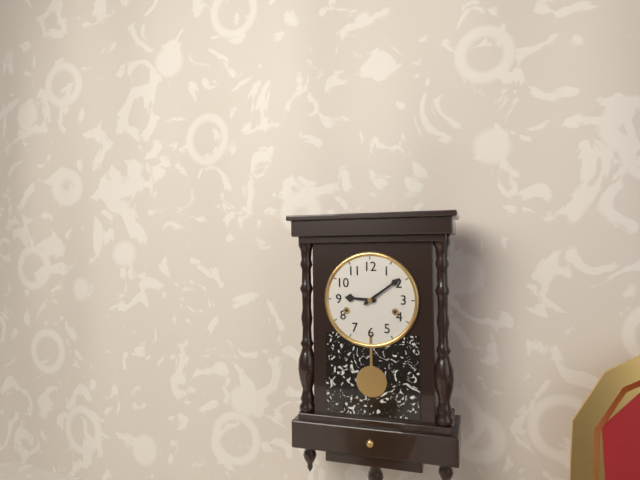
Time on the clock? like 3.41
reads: 9.09
